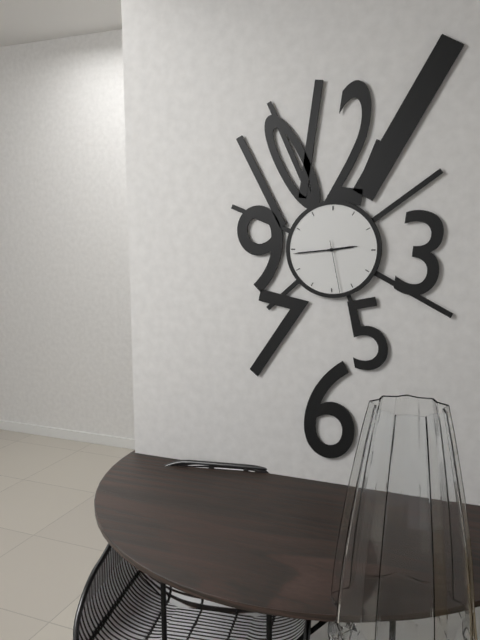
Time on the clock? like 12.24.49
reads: 2.44.28
